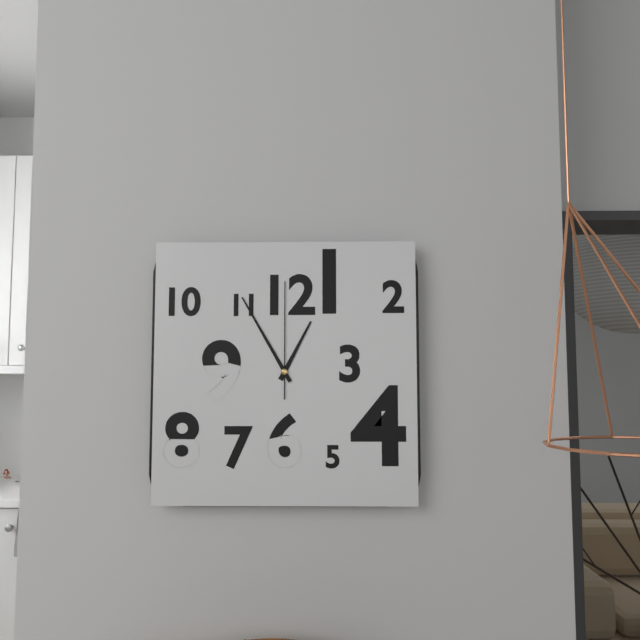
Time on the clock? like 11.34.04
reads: 12.55.00
